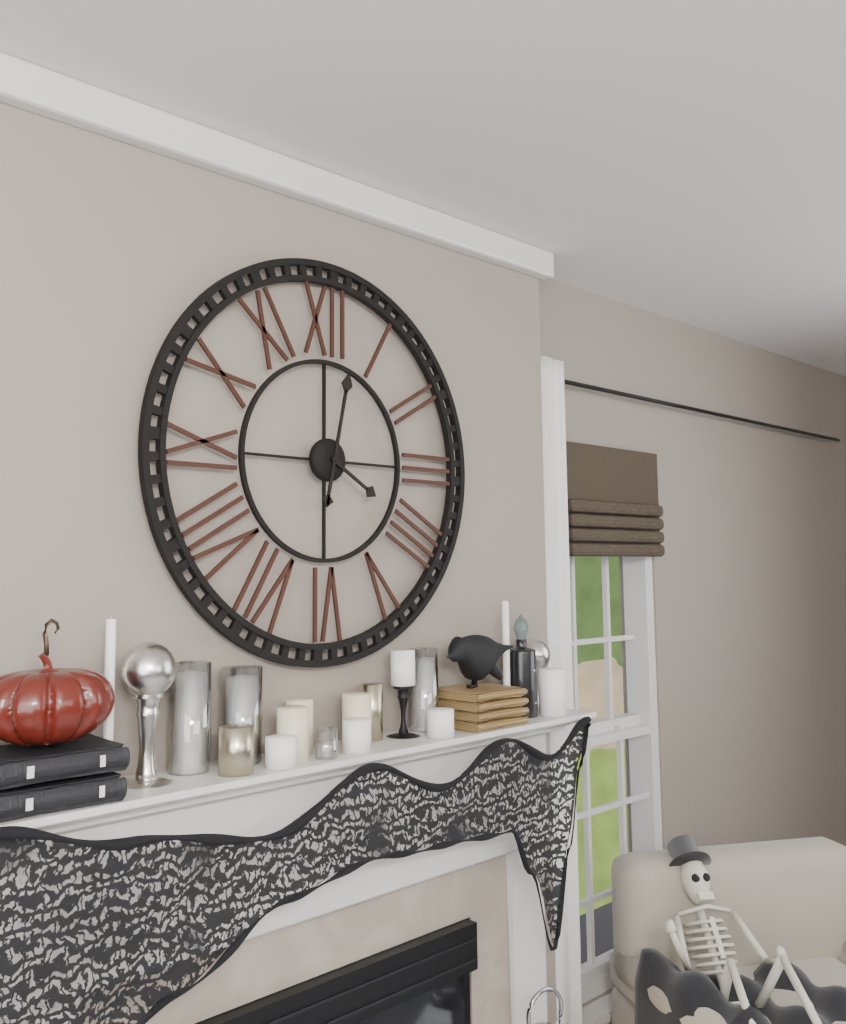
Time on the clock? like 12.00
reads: 4.02
